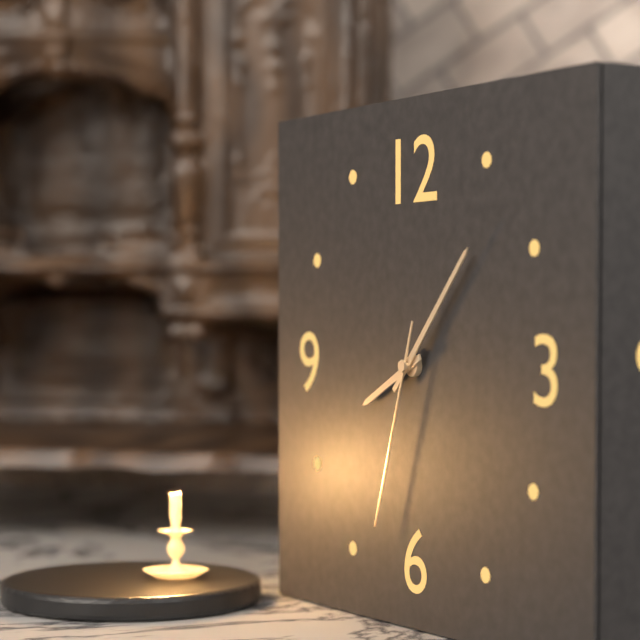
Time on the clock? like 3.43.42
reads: 8.07.33
